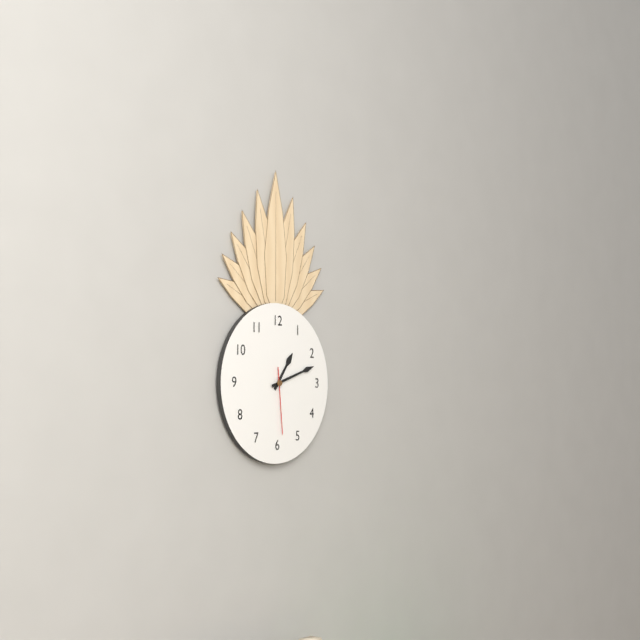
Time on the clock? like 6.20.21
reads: 1.12.29
